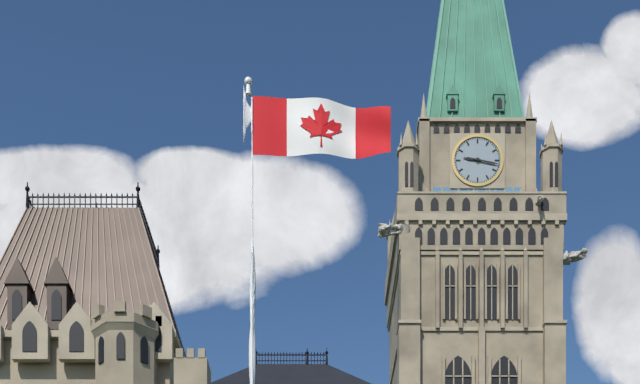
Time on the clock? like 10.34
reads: 9.17
